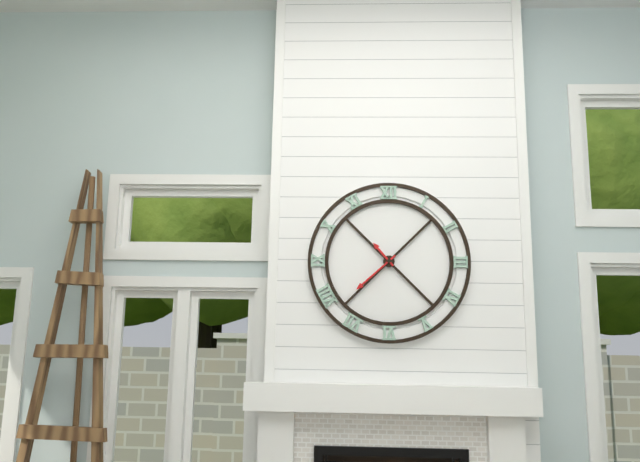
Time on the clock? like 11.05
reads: 10.38
